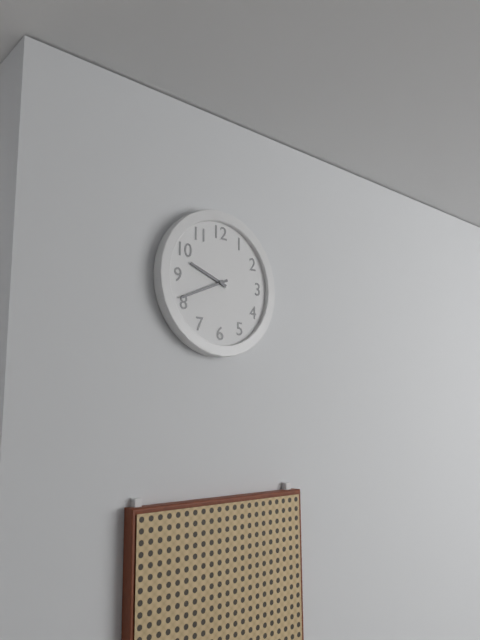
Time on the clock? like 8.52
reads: 9.41
